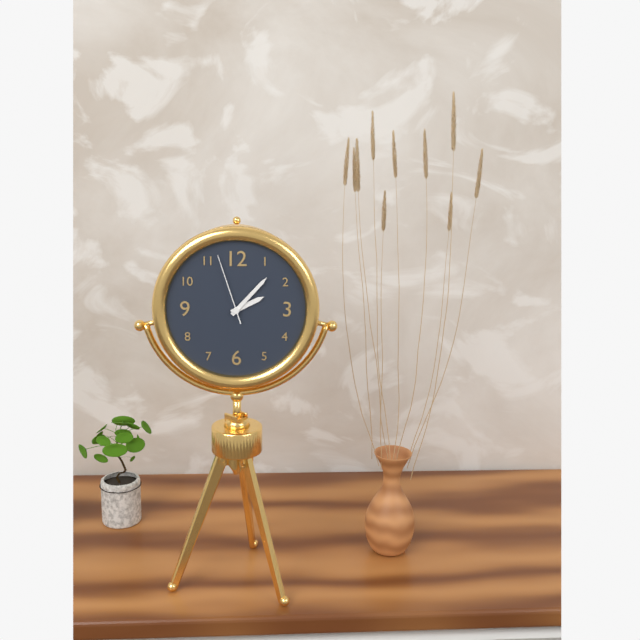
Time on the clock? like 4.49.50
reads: 2.07.57
